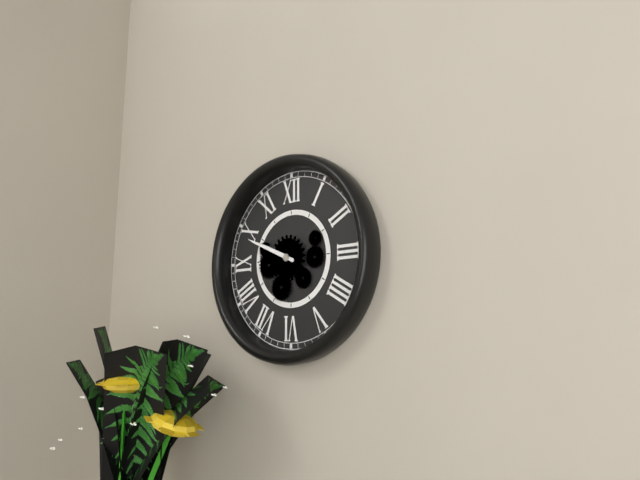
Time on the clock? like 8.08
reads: 9.49
